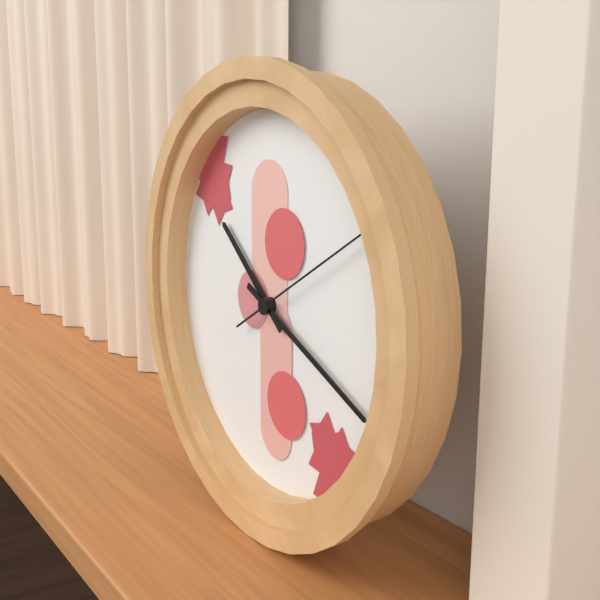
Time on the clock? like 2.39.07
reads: 10.19.10
